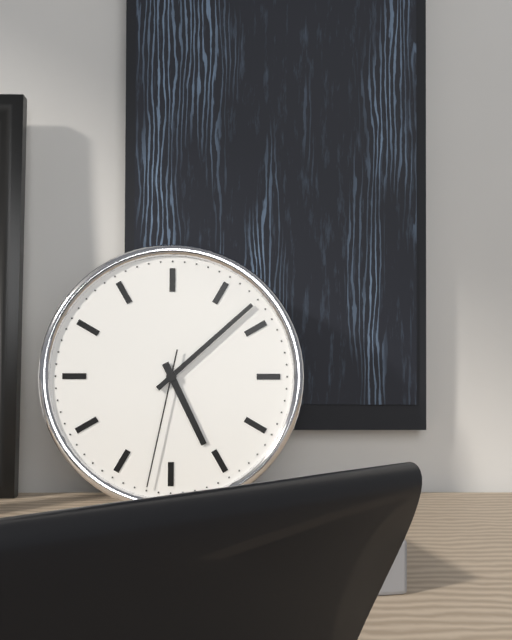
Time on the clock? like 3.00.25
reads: 5.08.32
